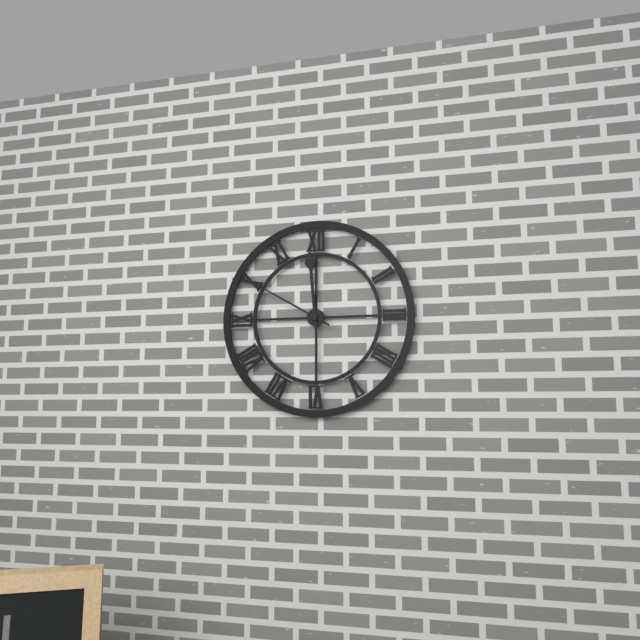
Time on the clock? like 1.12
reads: 11.50
